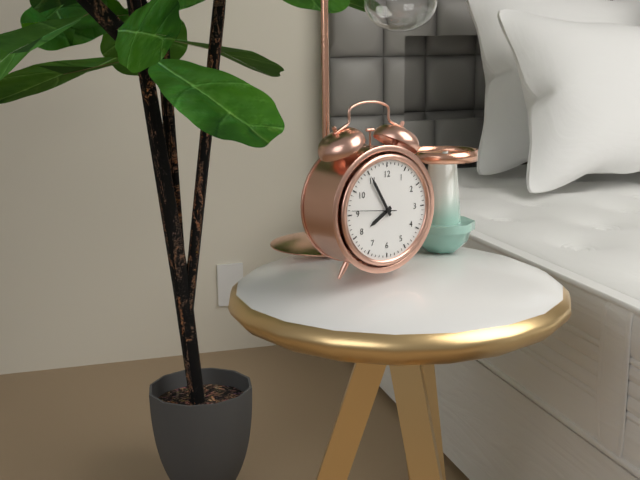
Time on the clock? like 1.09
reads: 7.55
